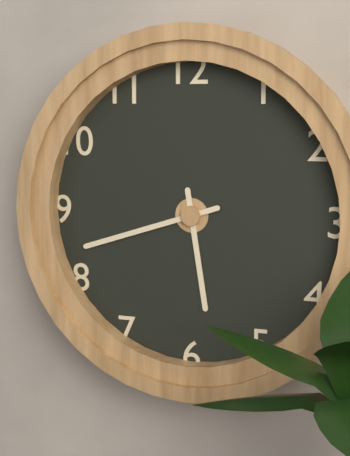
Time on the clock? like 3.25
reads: 5.42
